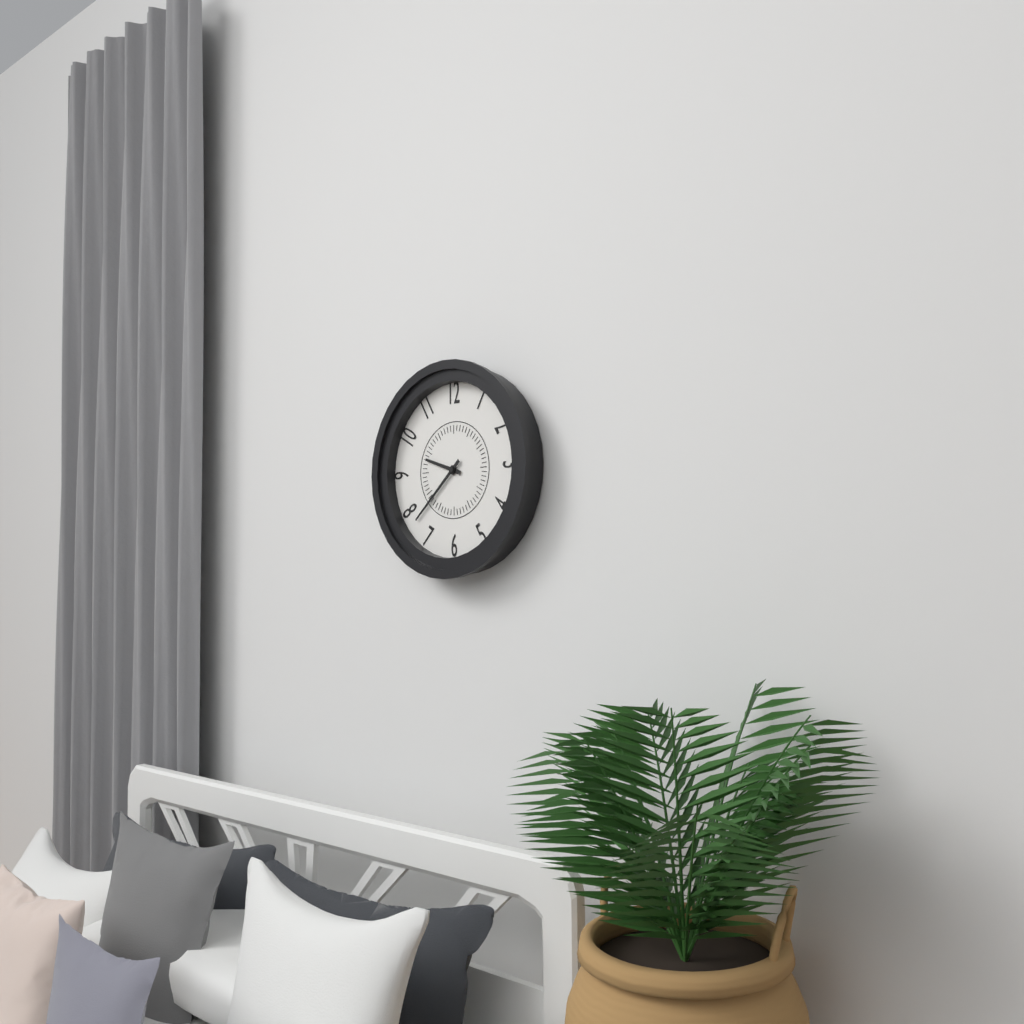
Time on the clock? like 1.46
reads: 9.38
